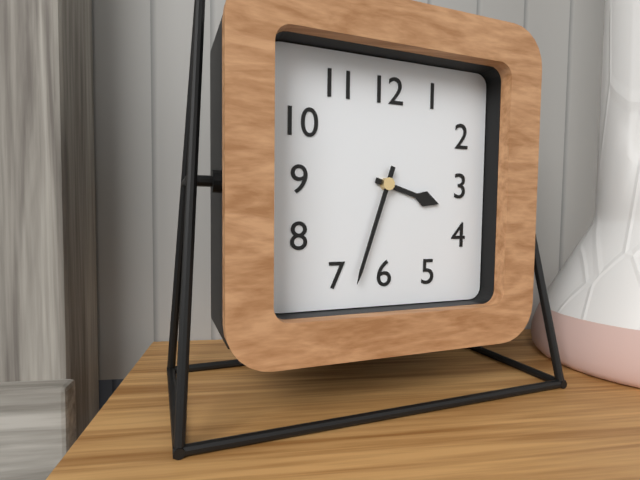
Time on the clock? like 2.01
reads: 3.33
